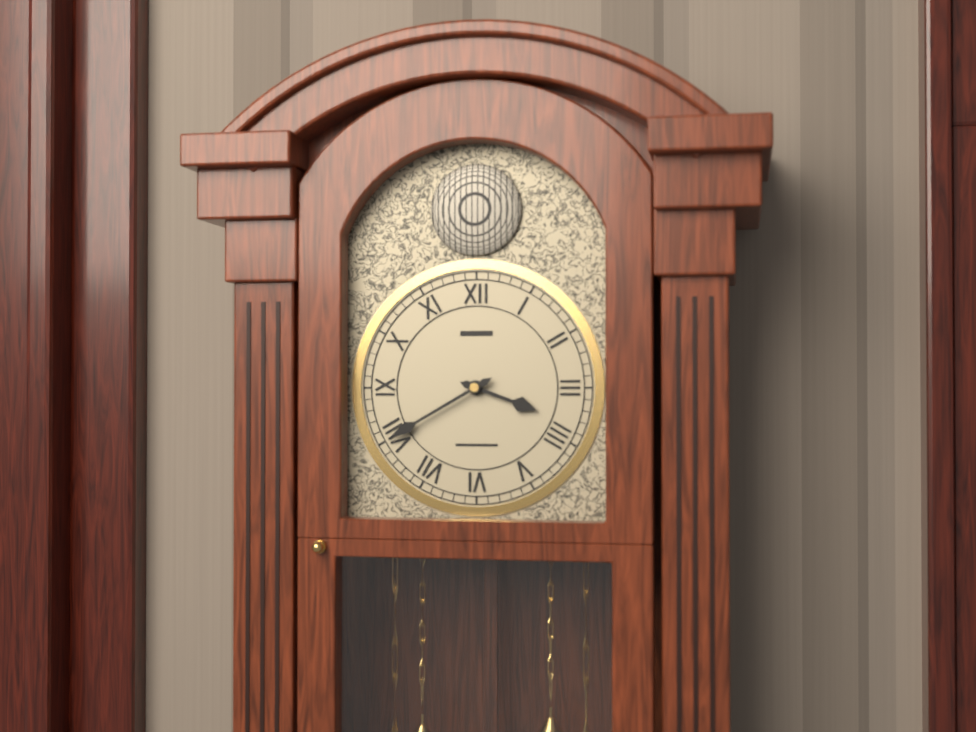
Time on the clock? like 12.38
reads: 3.40
